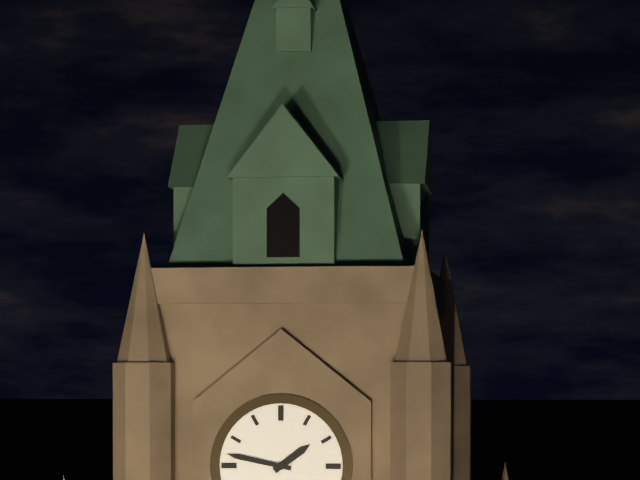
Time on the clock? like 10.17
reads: 1.47
